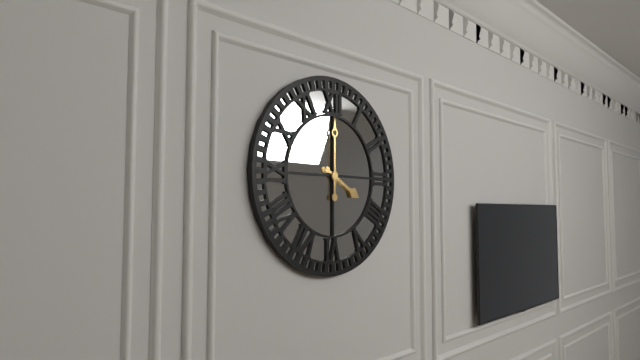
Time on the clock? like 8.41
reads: 4.00
